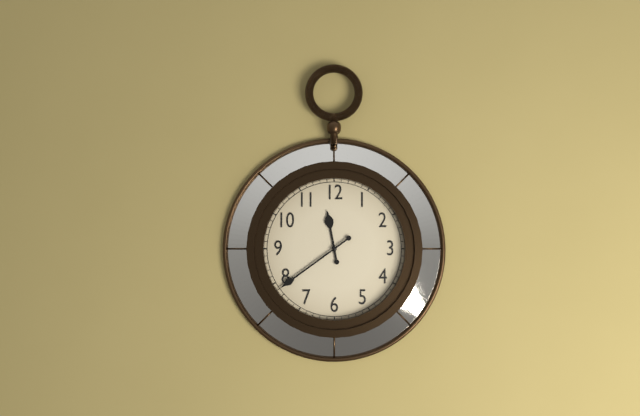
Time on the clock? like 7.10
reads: 11.39
